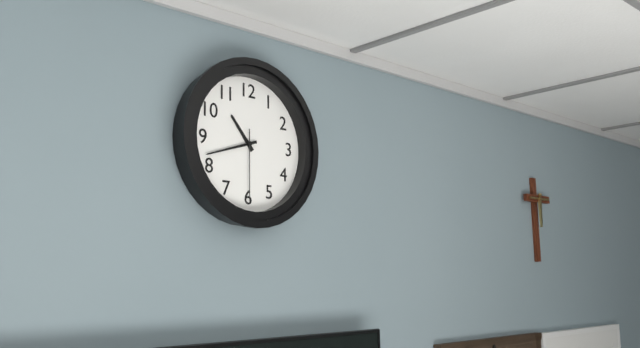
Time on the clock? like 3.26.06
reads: 10.42.30
